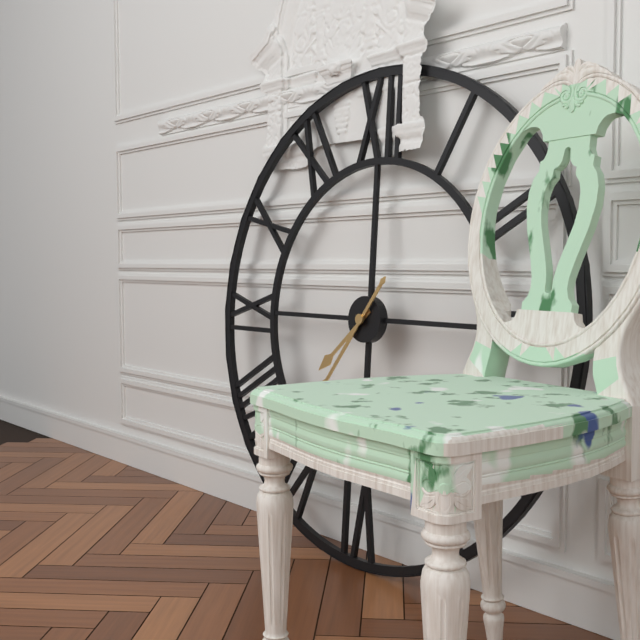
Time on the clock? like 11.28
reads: 7.36
